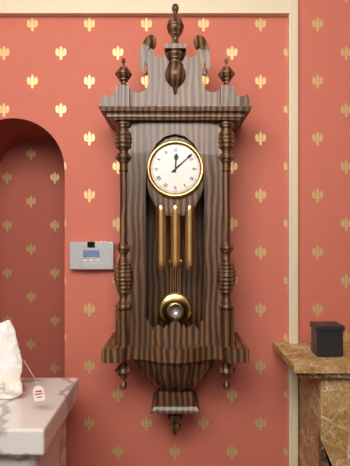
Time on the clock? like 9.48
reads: 12.08
